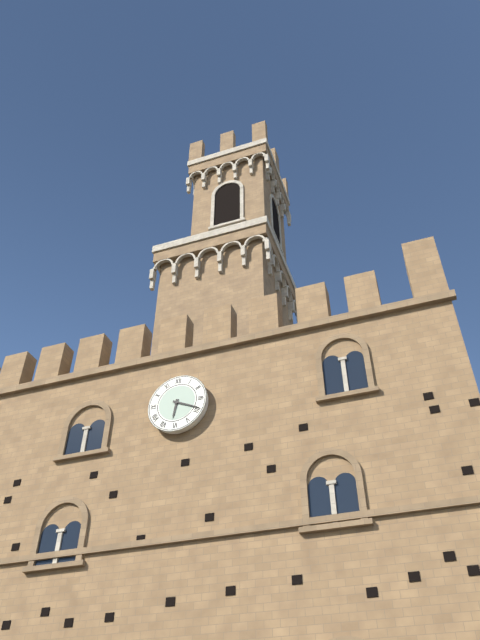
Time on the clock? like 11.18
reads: 6.19
